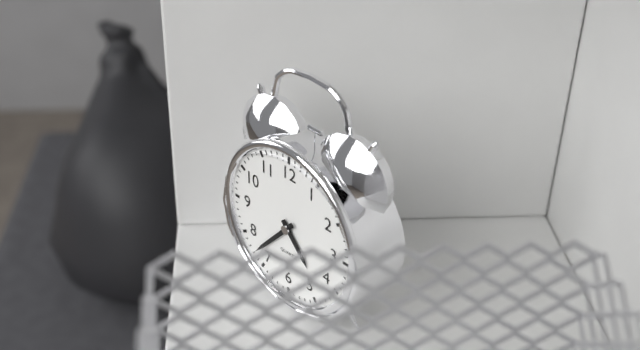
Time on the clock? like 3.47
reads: 4.37
